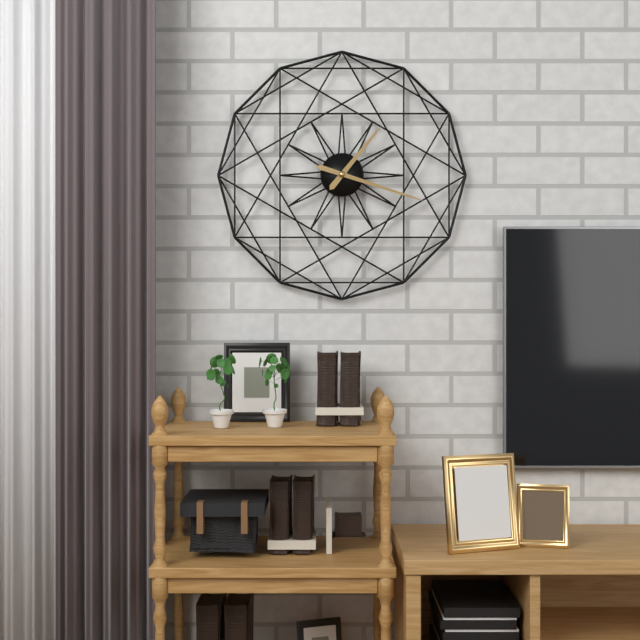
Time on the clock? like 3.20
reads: 1.18
